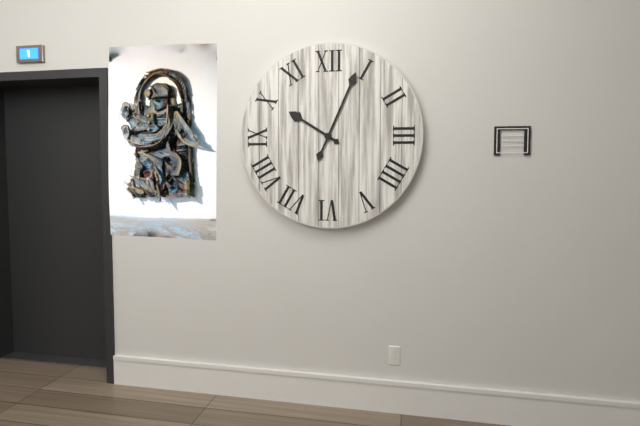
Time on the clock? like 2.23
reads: 10.04
